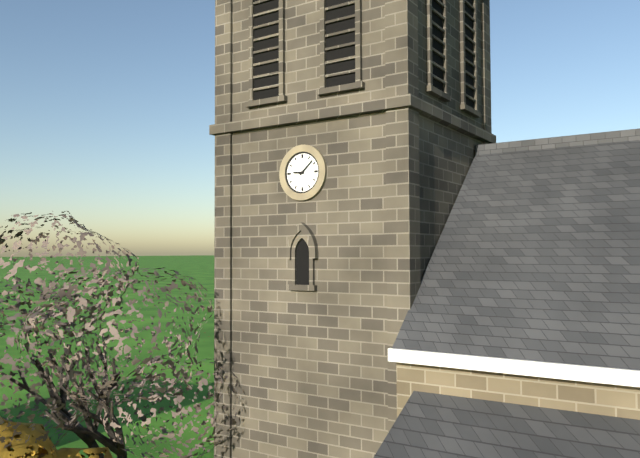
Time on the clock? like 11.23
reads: 9.08
